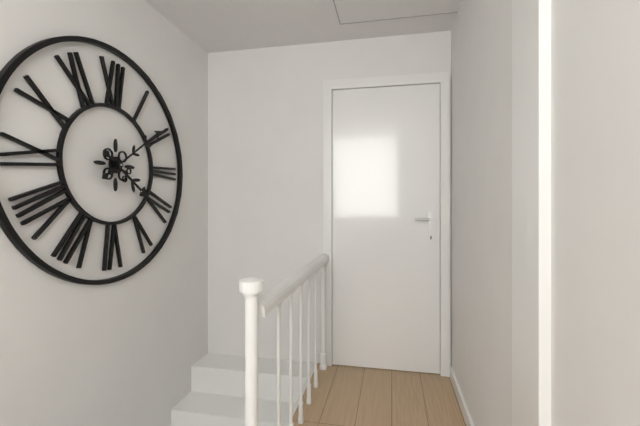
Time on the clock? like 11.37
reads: 4.09
